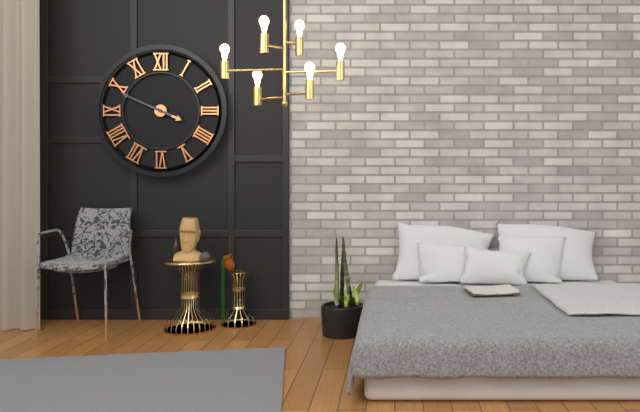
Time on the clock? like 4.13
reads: 3.49
